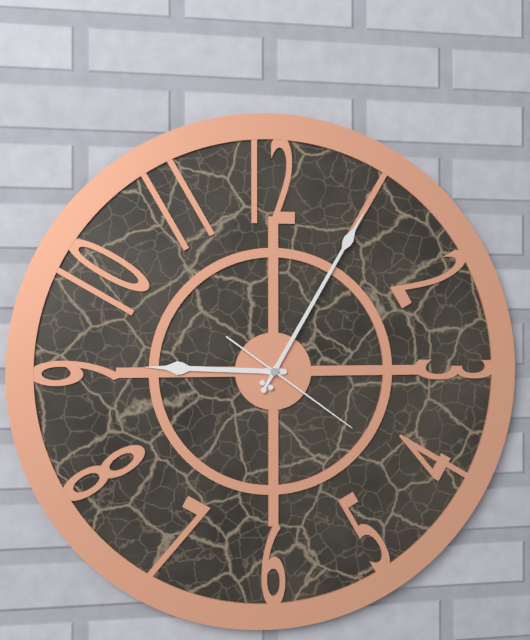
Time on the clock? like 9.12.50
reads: 9.05.21
